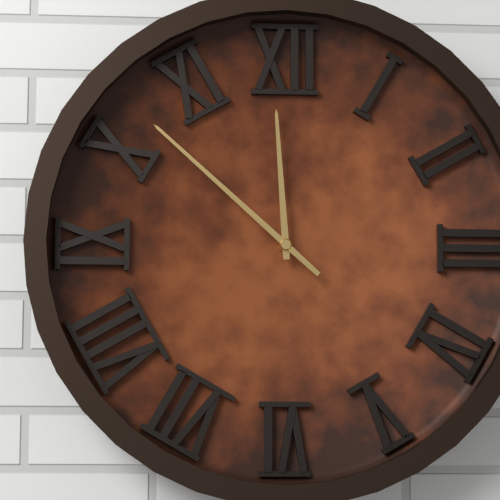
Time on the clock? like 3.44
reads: 11.52
